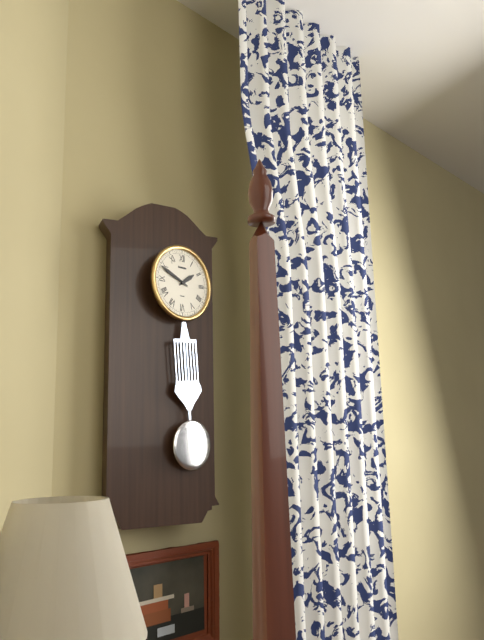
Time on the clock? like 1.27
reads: 1.49
